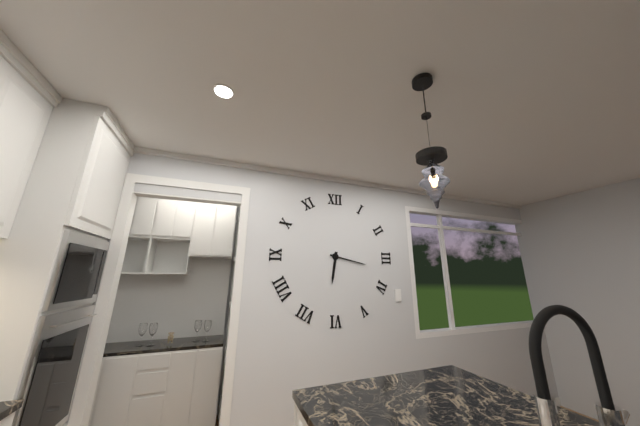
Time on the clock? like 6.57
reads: 6.17
